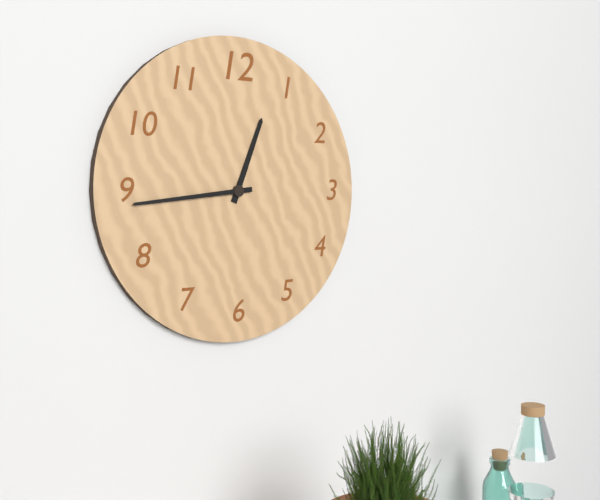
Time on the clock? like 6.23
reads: 12.44
